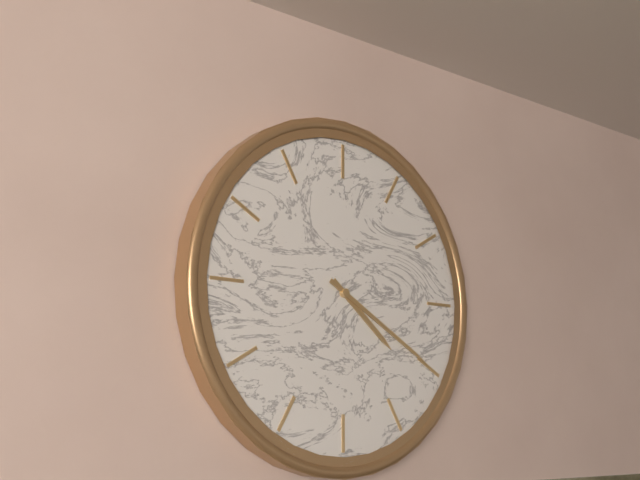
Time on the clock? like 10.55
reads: 4.20
